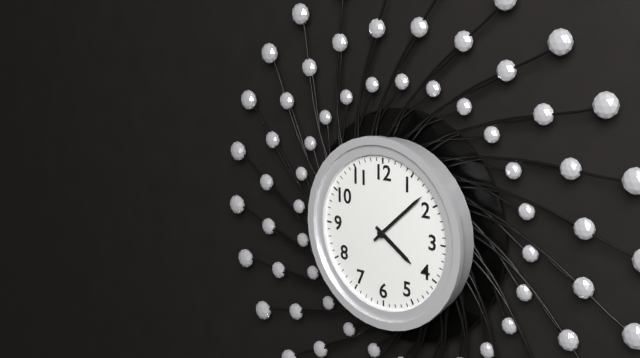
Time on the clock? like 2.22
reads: 4.08
